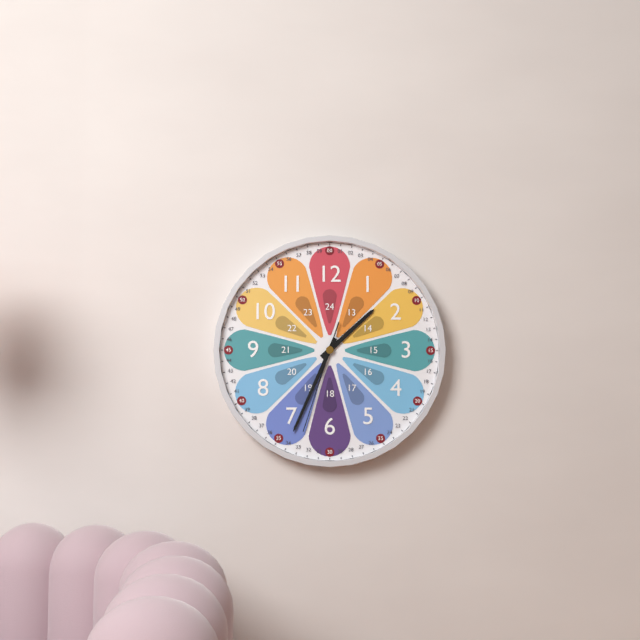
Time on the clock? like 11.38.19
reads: 1.34.33
